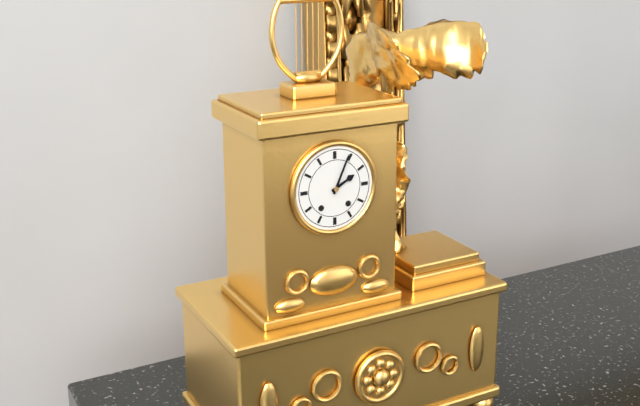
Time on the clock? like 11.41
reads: 2.04
